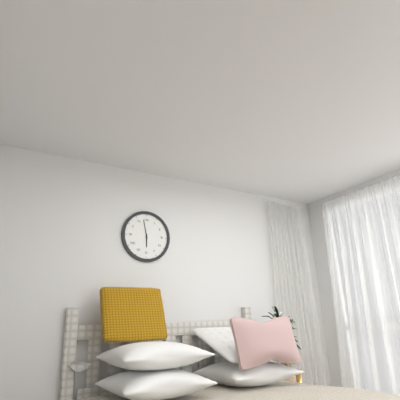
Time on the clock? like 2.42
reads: 5.58
